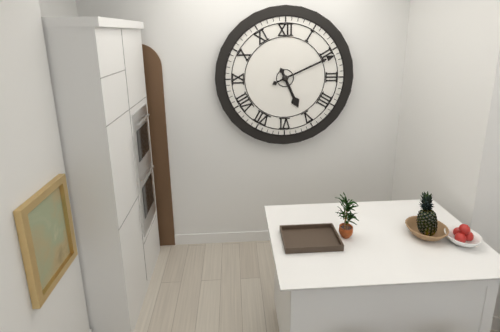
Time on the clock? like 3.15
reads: 5.11
